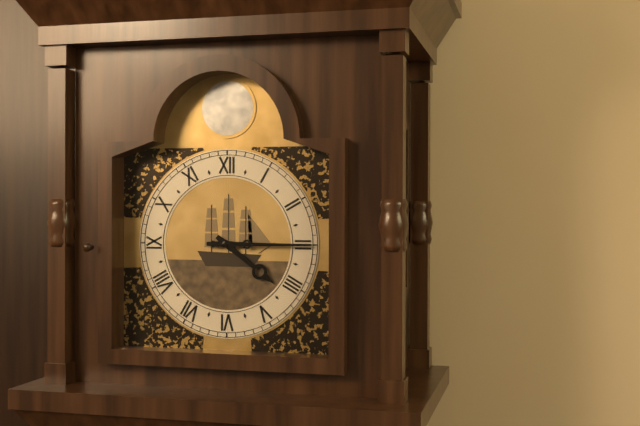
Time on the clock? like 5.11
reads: 4.15
